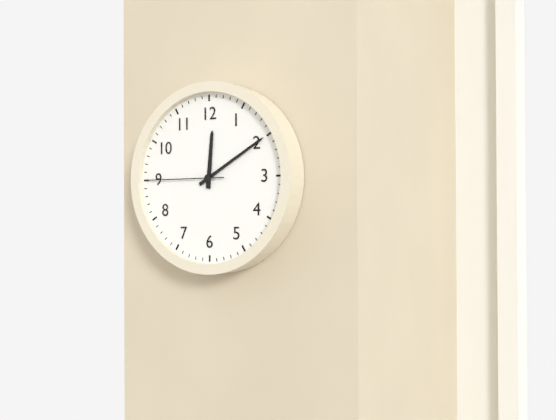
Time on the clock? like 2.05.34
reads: 12.10.45
